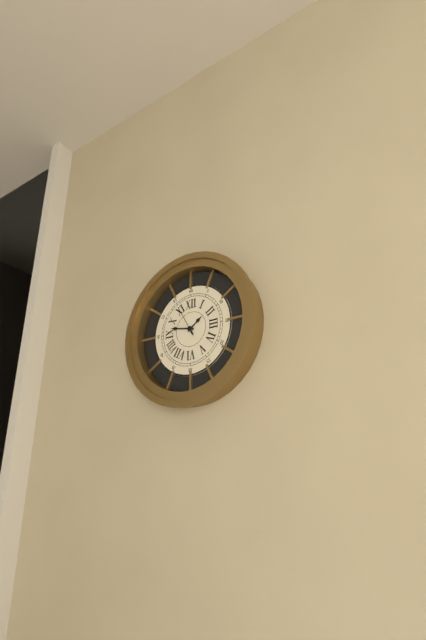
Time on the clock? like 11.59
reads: 1.47
